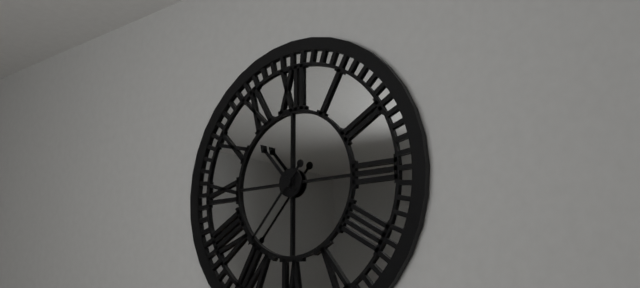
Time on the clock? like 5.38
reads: 10.37
